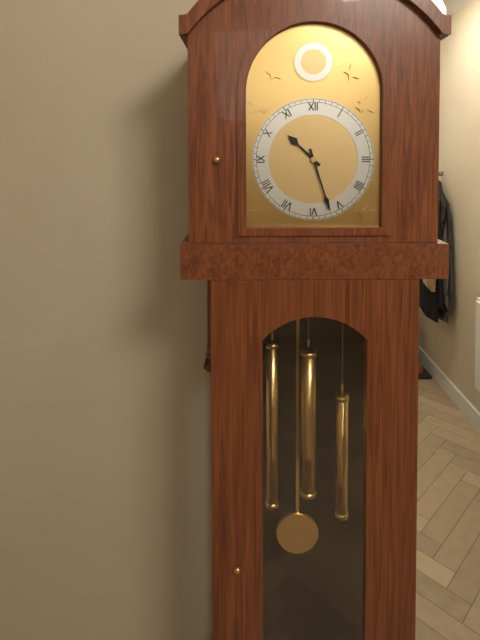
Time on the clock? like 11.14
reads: 10.27
